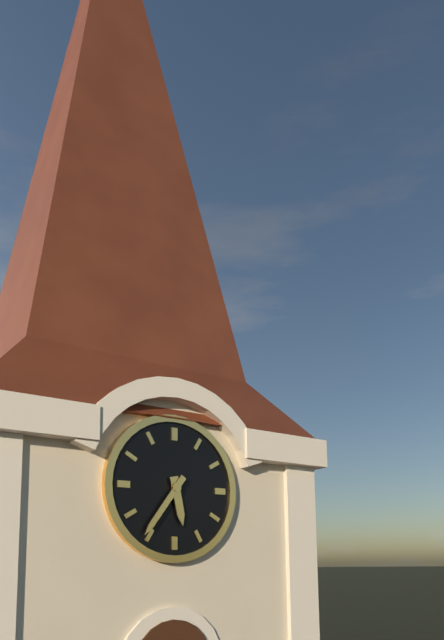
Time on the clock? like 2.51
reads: 5.36
